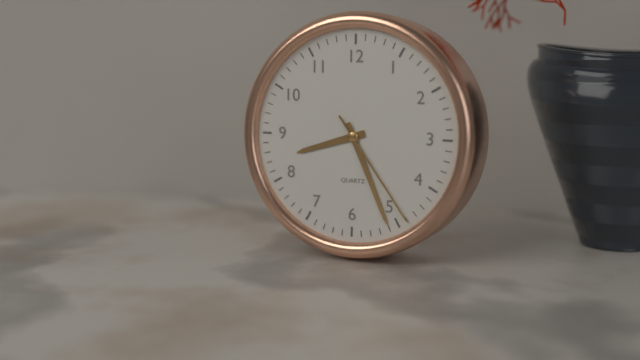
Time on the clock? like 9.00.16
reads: 8.26.24
